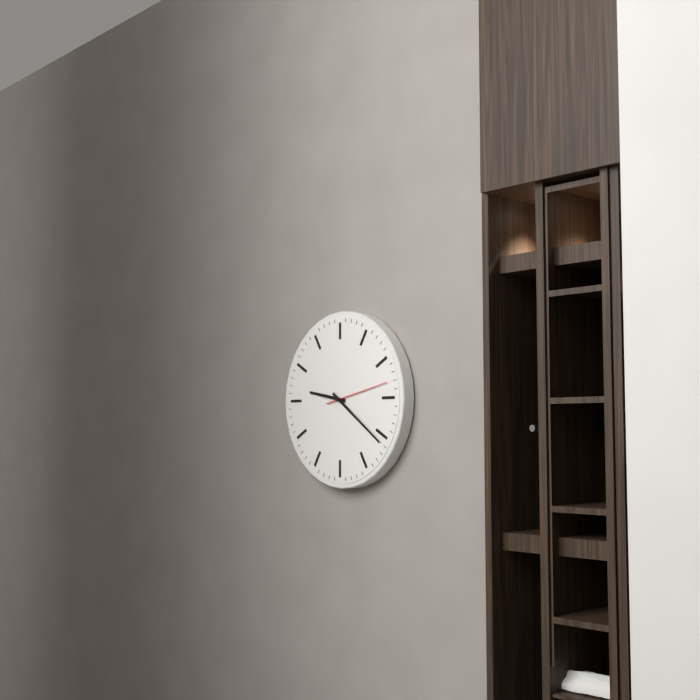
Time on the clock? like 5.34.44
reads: 9.21.13
